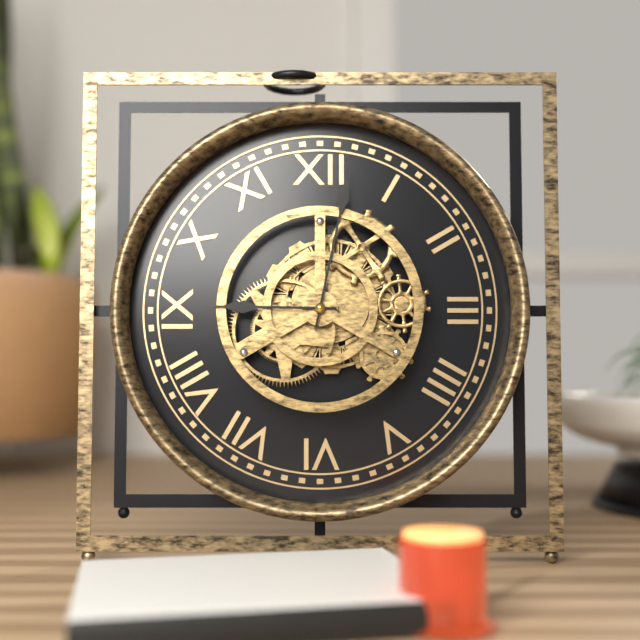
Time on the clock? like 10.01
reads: 9.02
